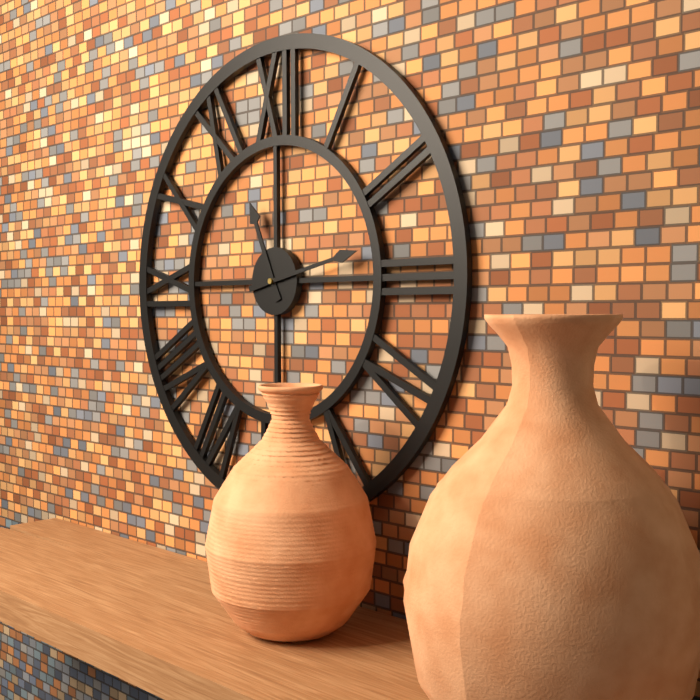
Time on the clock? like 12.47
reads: 11.13
